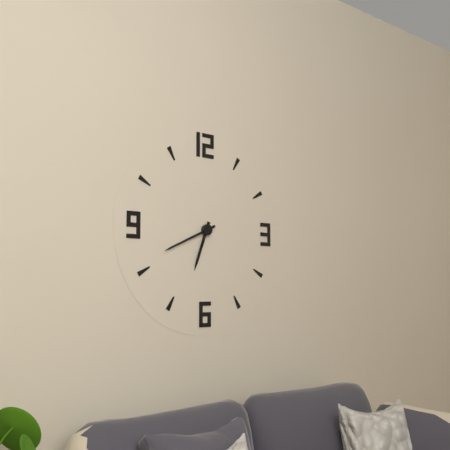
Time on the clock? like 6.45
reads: 6.41
